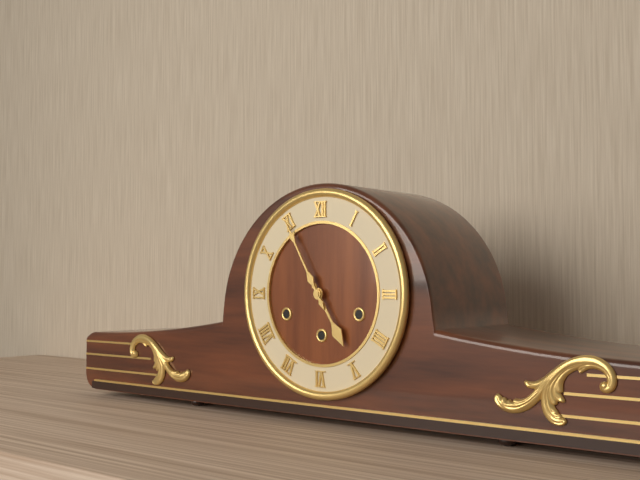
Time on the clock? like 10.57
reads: 4.55
